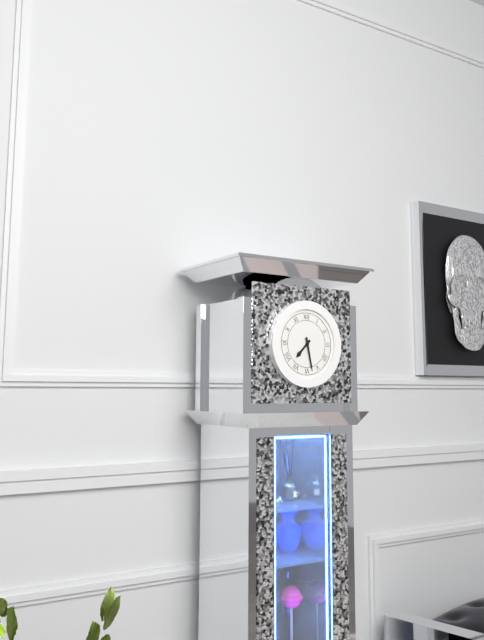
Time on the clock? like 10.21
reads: 7.28
